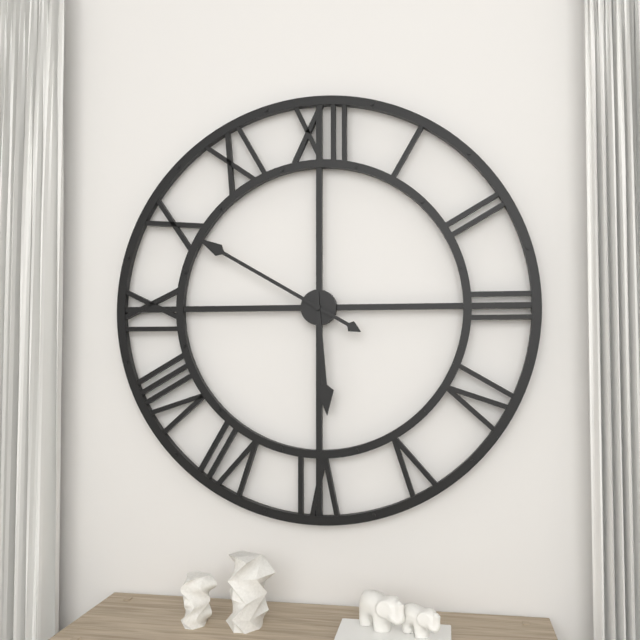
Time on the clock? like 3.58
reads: 5.50
